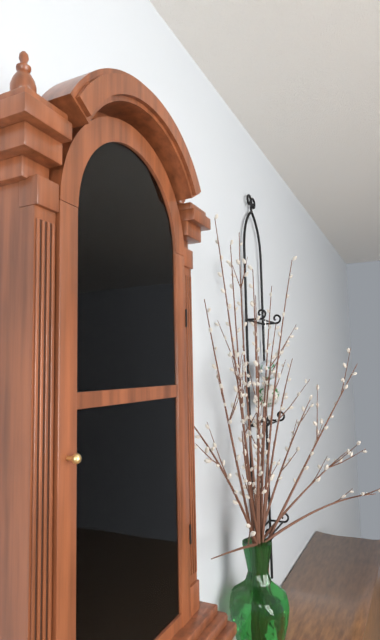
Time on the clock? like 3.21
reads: 12.35
